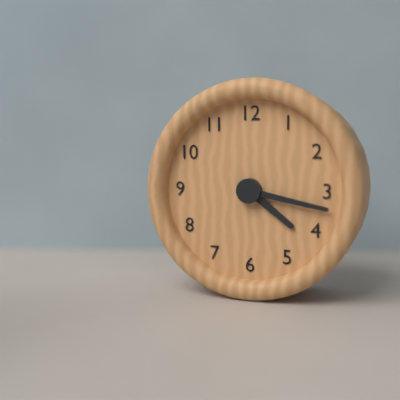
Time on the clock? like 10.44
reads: 4.17
